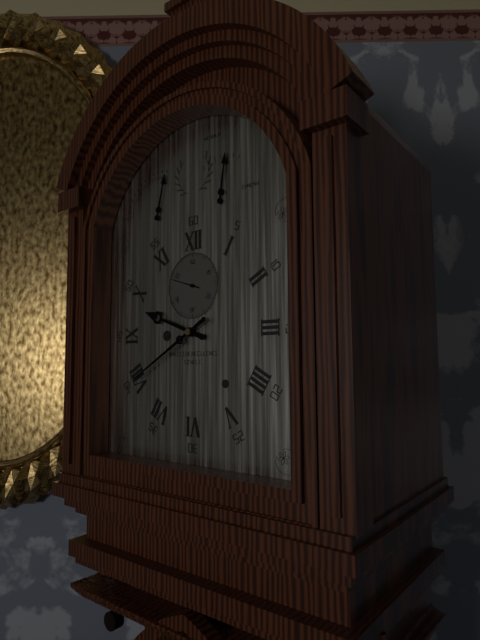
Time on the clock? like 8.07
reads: 9.40
